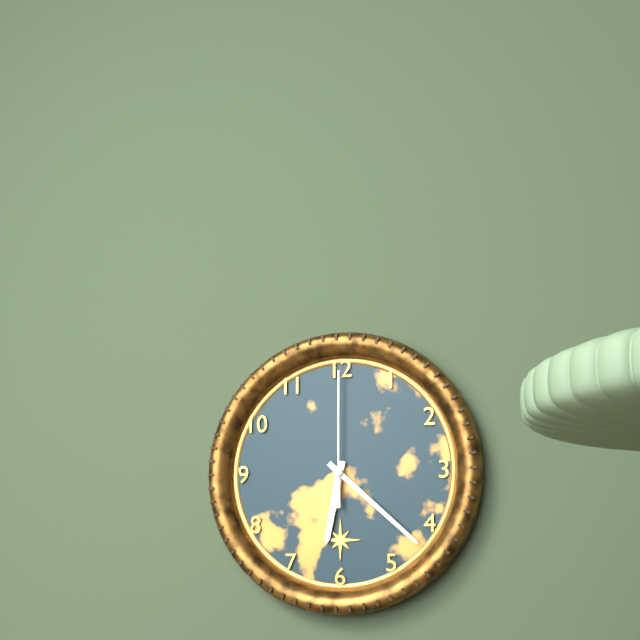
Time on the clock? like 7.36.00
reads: 6.22.00
